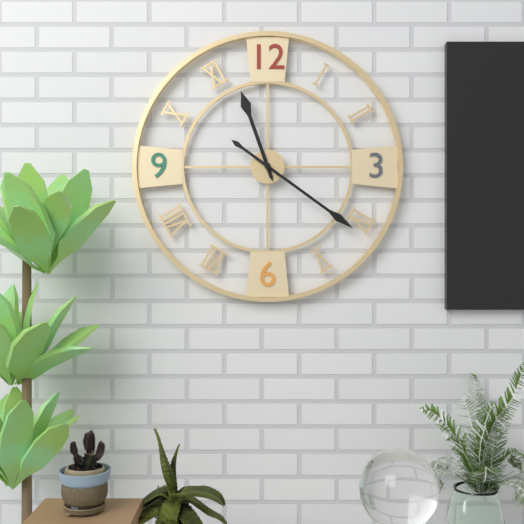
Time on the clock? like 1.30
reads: 11.21
